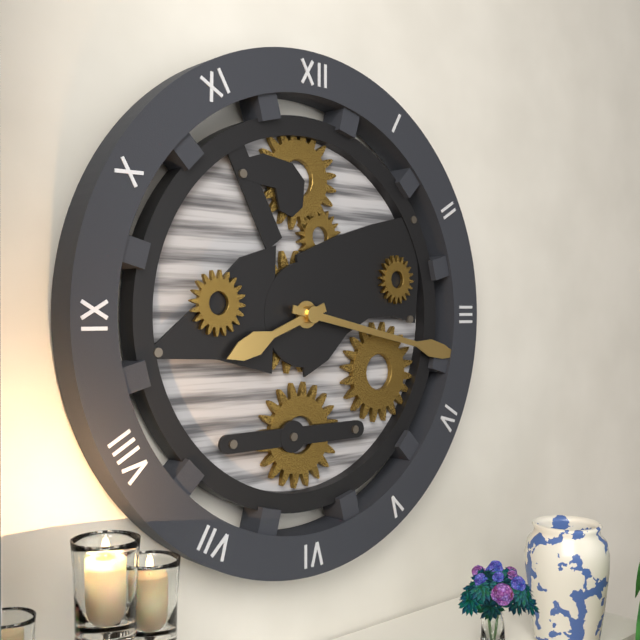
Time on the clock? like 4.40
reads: 8.17
